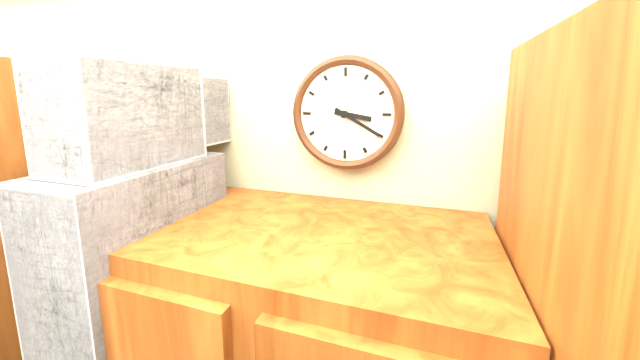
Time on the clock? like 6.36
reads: 3.20
